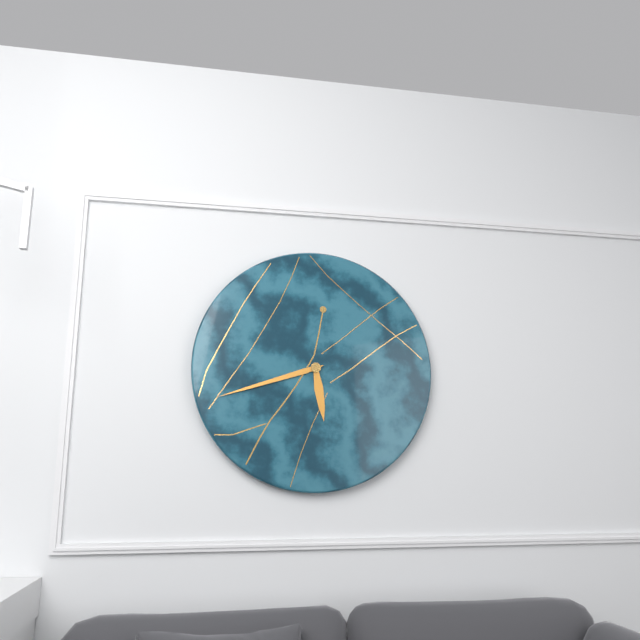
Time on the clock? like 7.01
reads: 5.42
